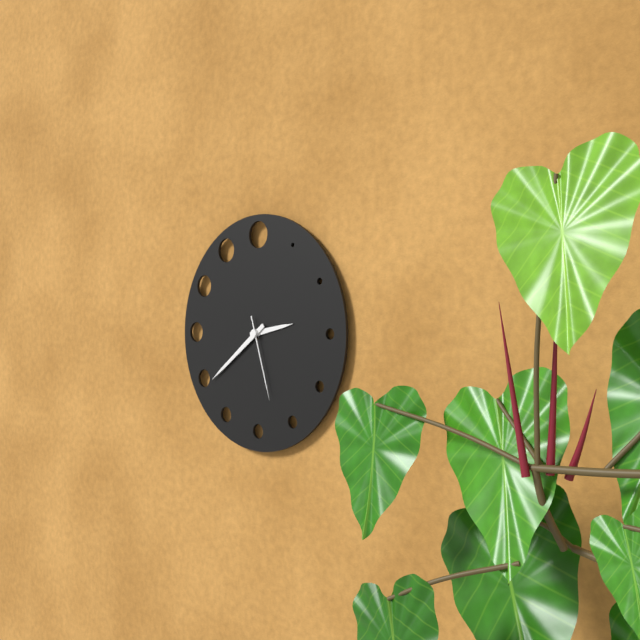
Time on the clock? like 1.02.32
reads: 2.39.27
